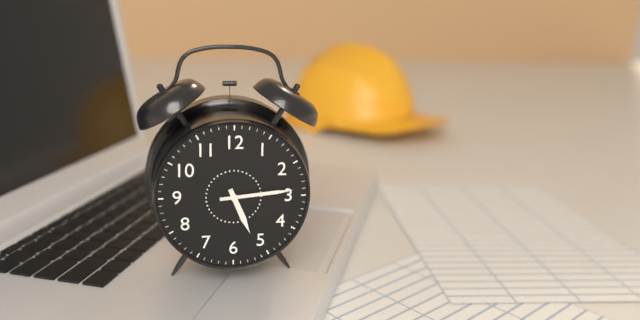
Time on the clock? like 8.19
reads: 5.14
